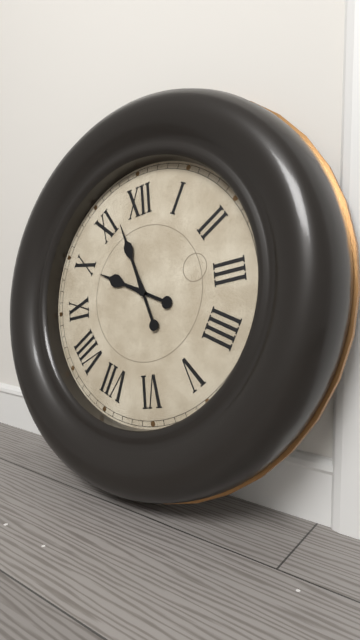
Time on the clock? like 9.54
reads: 9.57
